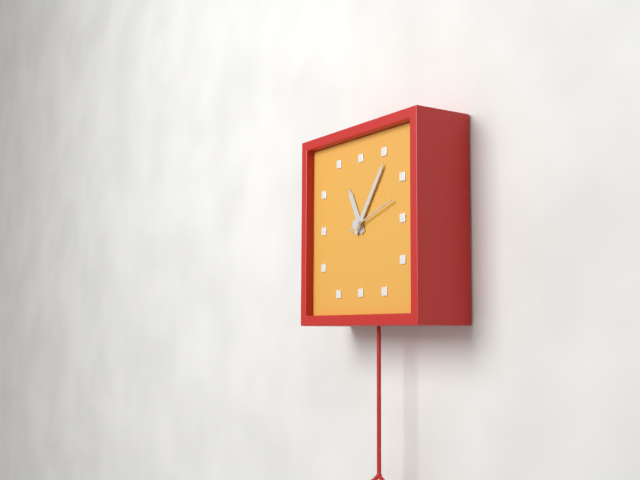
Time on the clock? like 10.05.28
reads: 11.06.12
